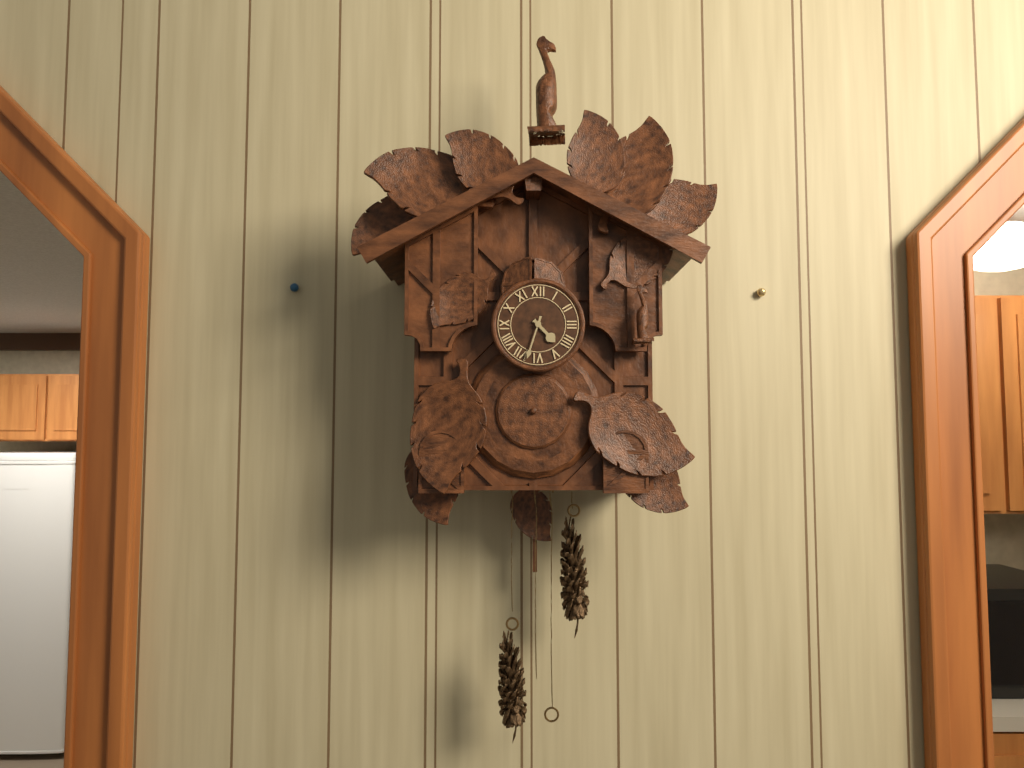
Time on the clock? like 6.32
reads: 4.33
